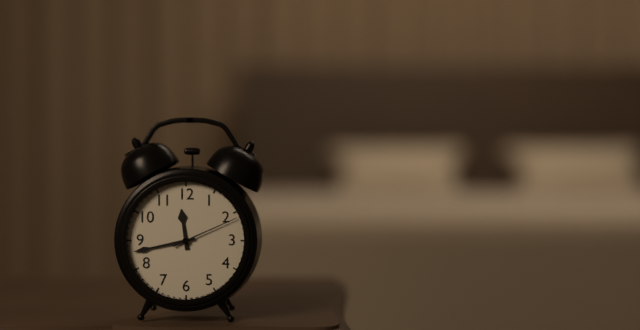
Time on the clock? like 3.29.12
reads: 11.43.11
